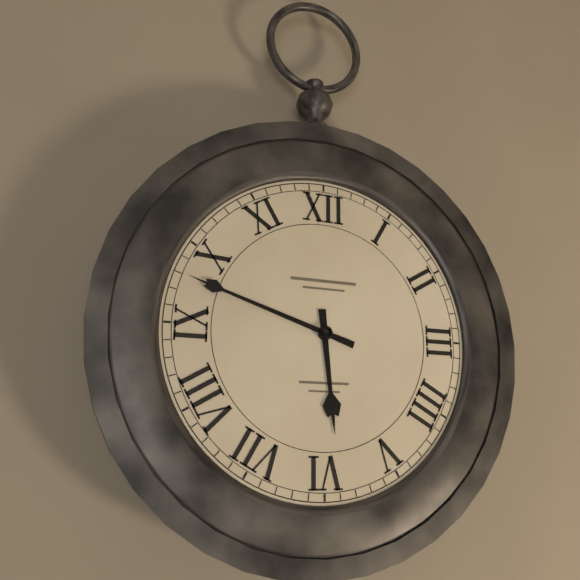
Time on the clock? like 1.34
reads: 5.48
